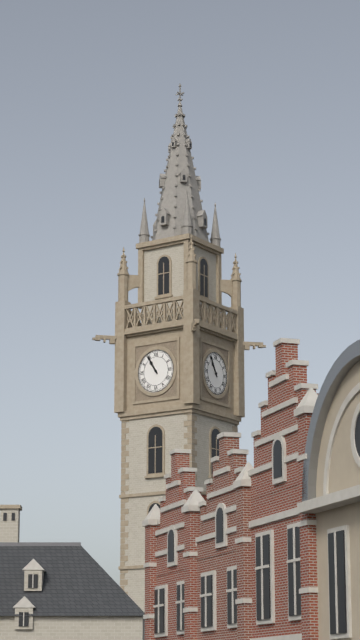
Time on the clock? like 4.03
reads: 10.55
